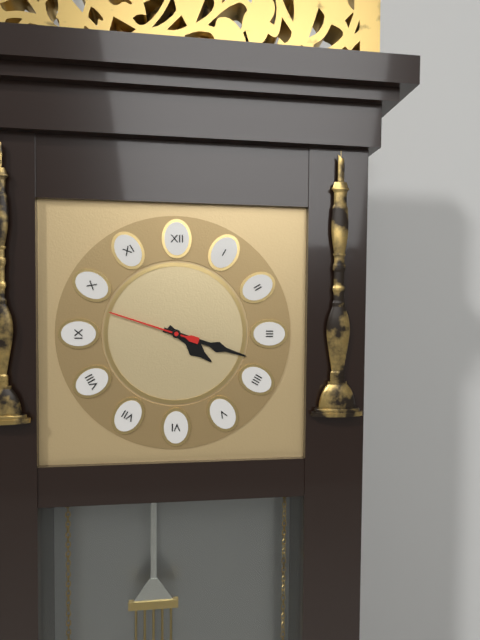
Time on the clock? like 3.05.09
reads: 4.18.48
